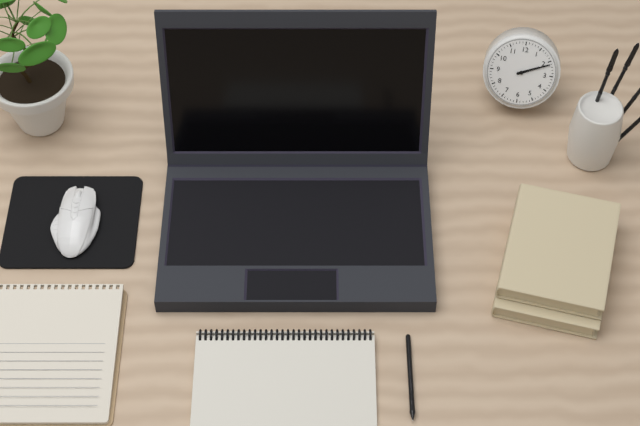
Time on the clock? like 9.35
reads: 2.11
